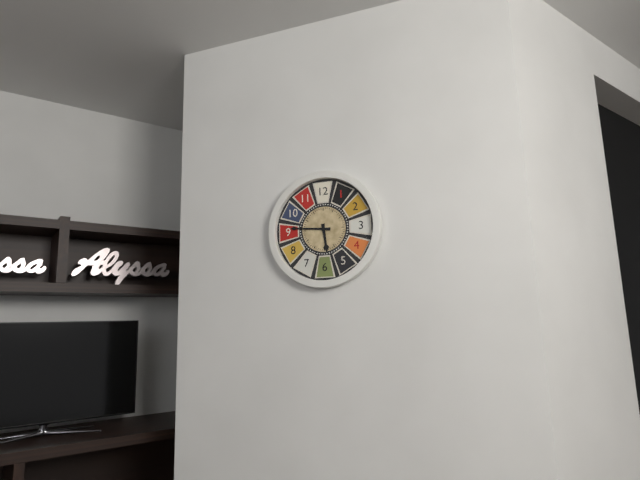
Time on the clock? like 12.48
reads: 5.46
